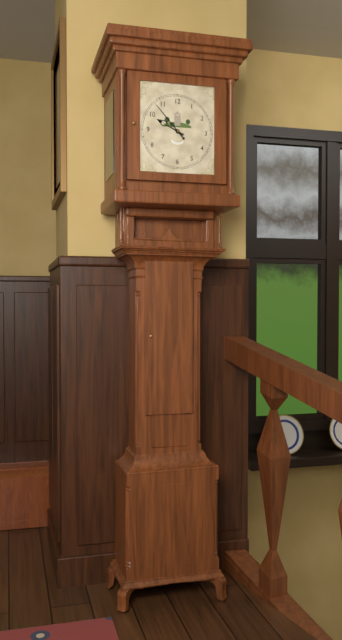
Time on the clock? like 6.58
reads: 9.53
